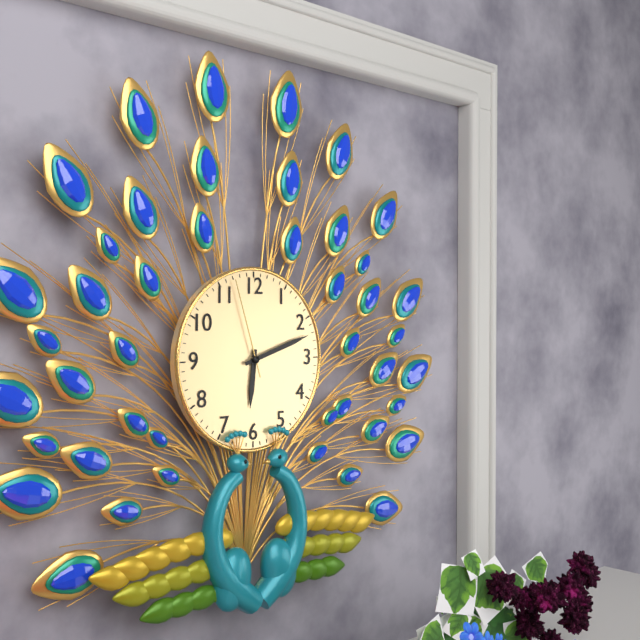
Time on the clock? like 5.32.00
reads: 6.12.57
